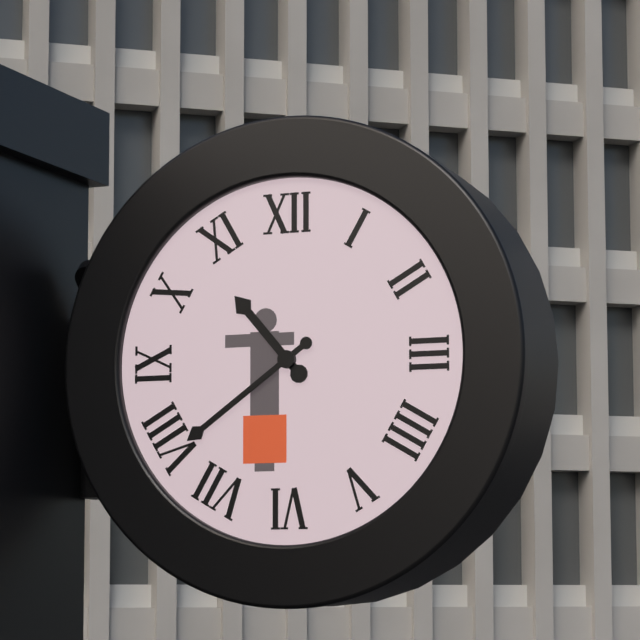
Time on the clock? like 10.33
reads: 10.39
